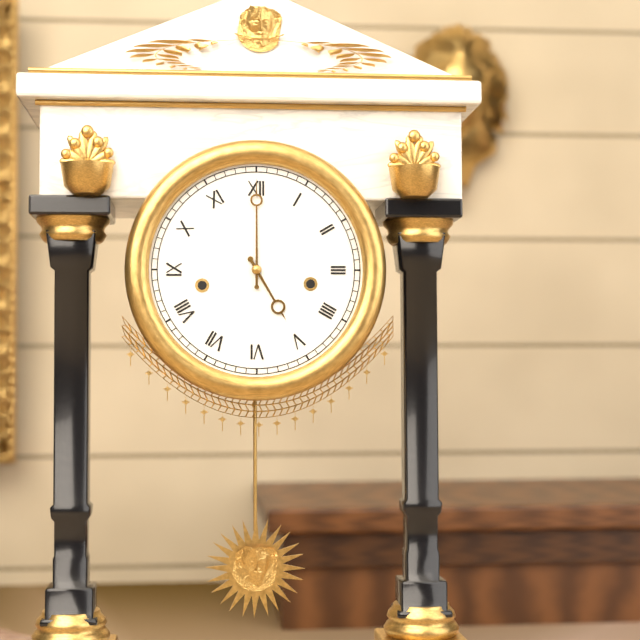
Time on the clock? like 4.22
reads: 5.00
